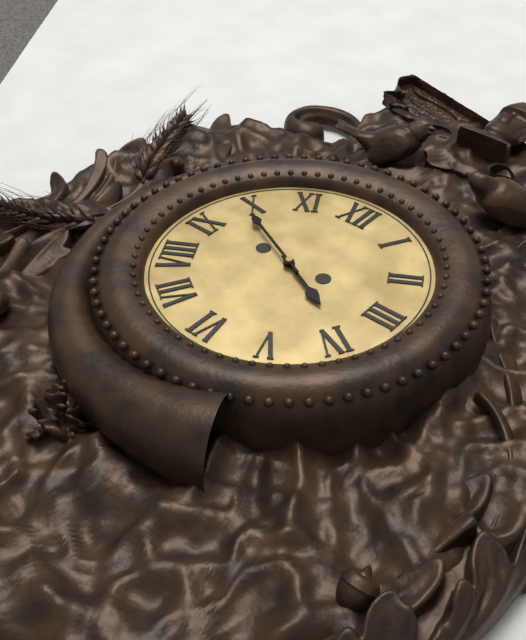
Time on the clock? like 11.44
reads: 3.49
